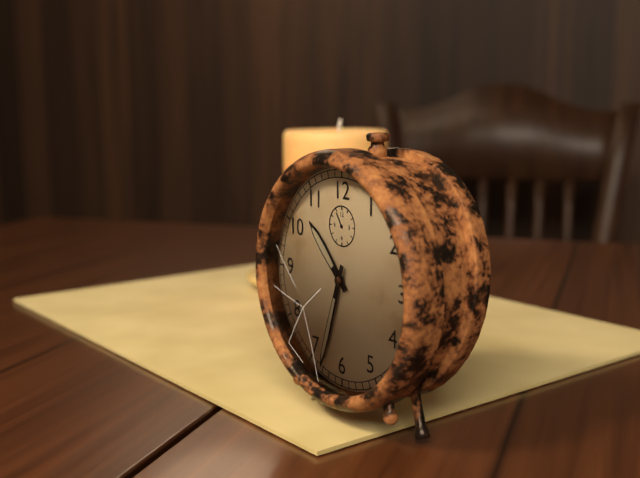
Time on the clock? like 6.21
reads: 10.33
